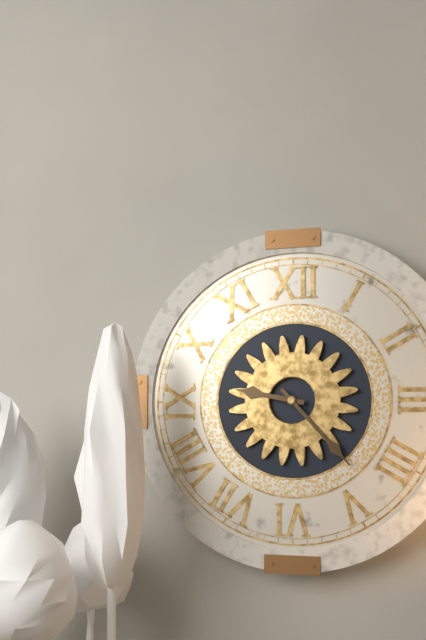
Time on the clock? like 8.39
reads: 9.23
